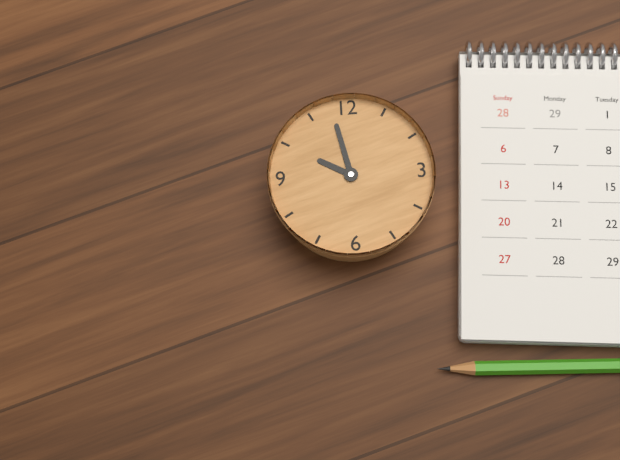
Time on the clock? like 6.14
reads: 9.58
